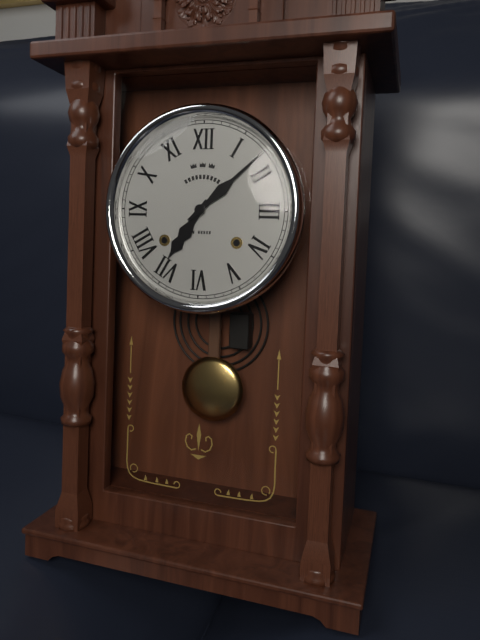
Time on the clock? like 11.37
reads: 7.08
